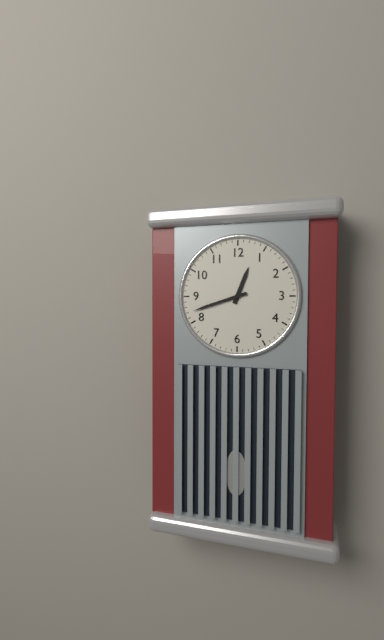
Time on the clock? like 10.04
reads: 12.42
